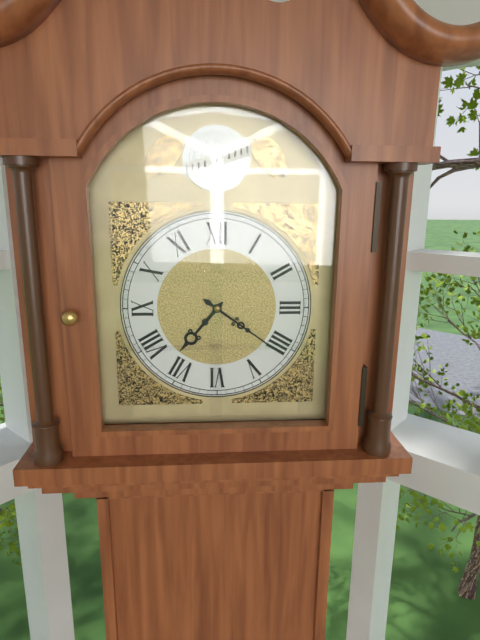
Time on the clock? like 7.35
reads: 7.21
